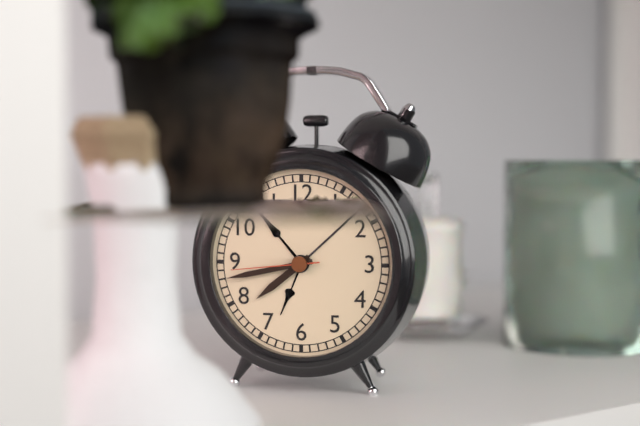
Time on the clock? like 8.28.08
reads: 7.43.44
